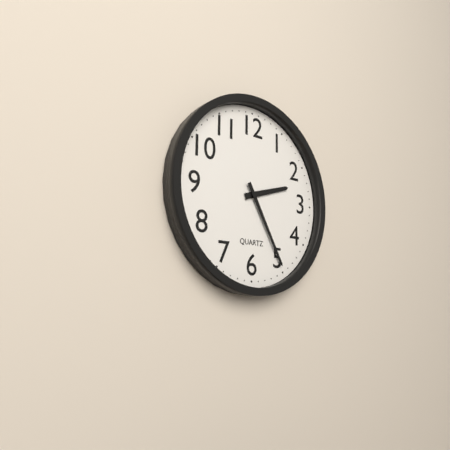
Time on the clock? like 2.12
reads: 2.25
